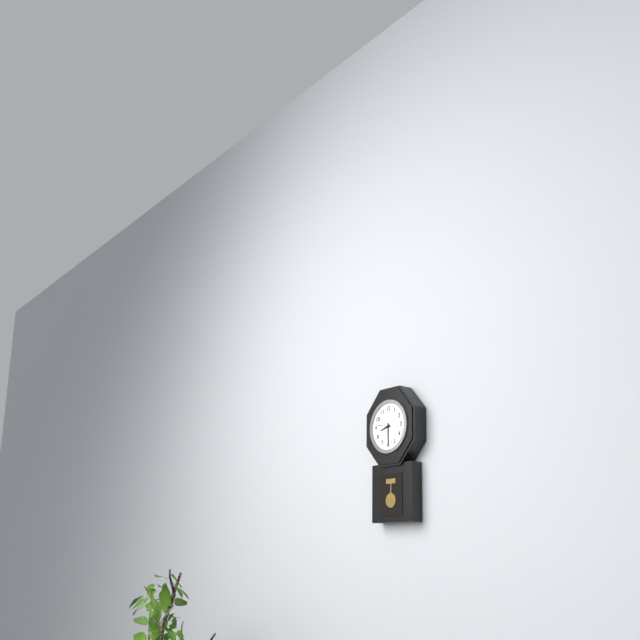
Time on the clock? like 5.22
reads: 8.30
